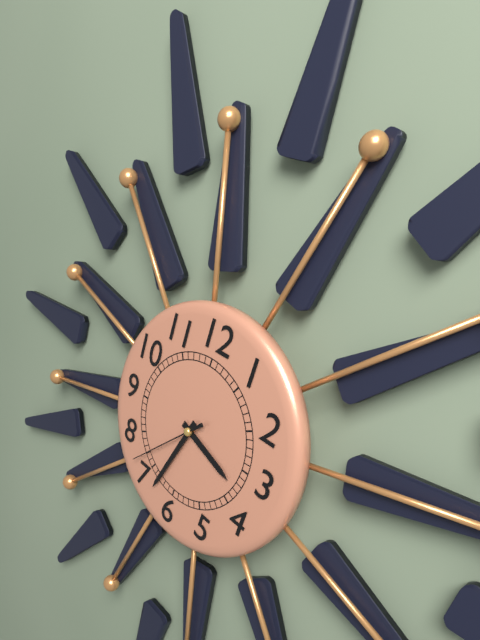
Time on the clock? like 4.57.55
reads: 3.33.37
